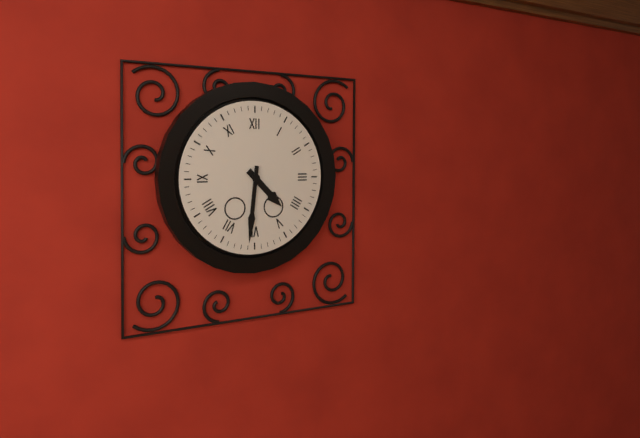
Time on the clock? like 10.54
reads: 4.31
